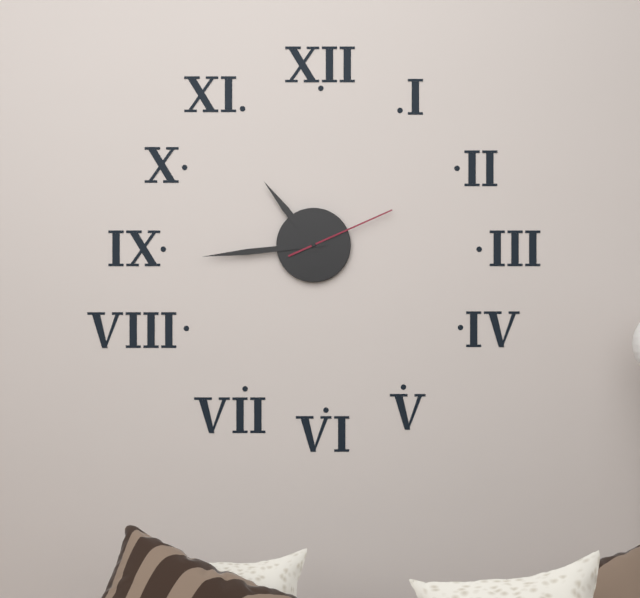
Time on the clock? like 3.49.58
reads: 10.44.11
